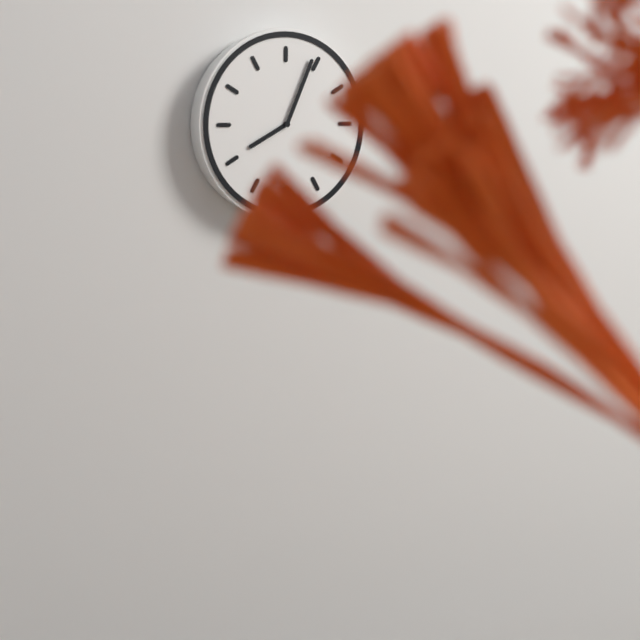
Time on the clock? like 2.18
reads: 8.04
